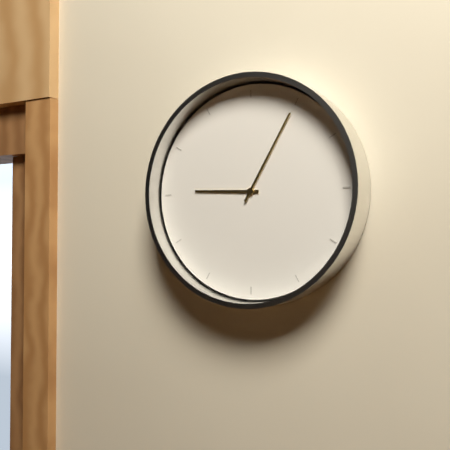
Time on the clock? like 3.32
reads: 9.05
